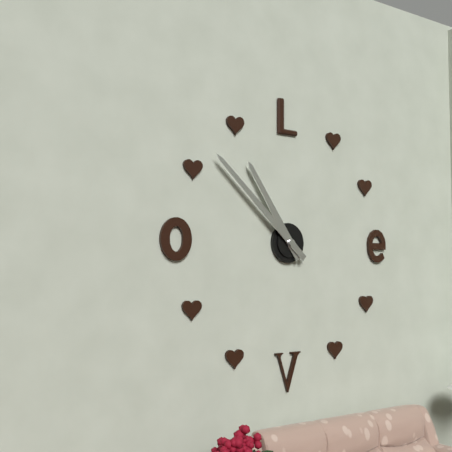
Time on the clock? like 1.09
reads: 10.52
